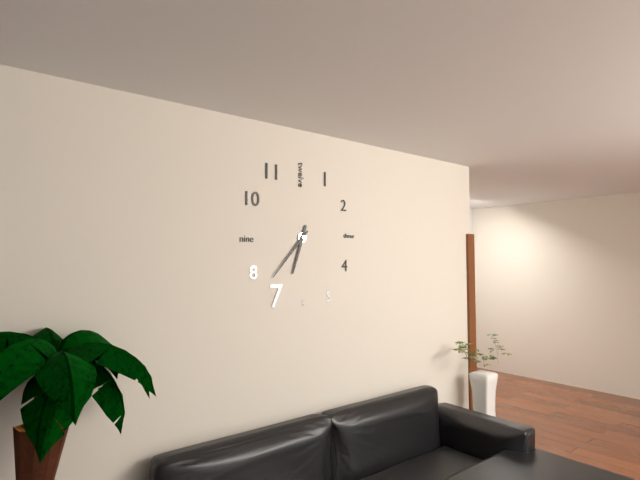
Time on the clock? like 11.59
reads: 6.37
